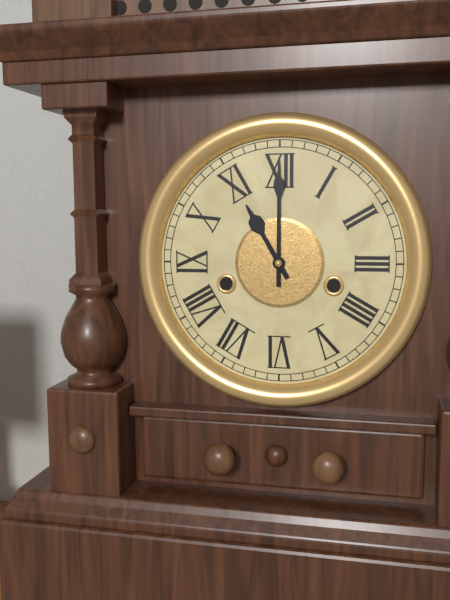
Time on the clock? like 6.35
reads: 11.00
